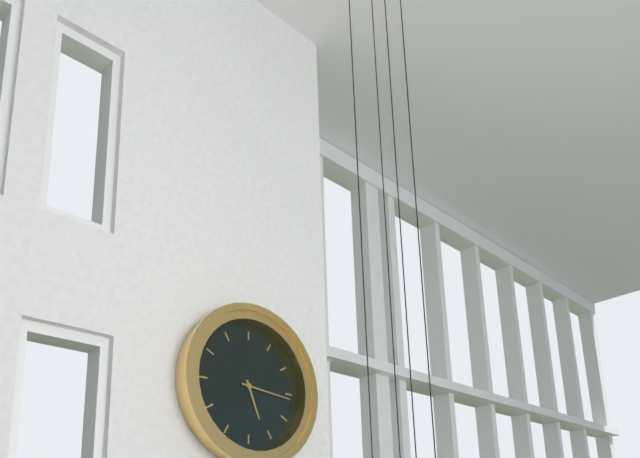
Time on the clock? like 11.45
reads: 5.16
